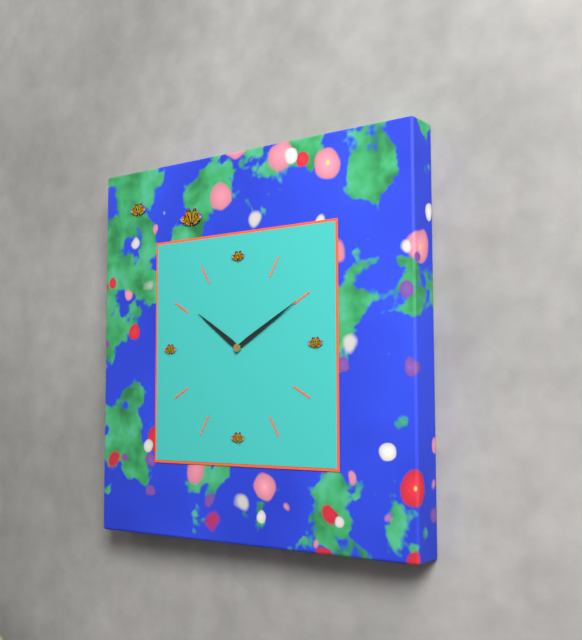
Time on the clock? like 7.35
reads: 10.10
